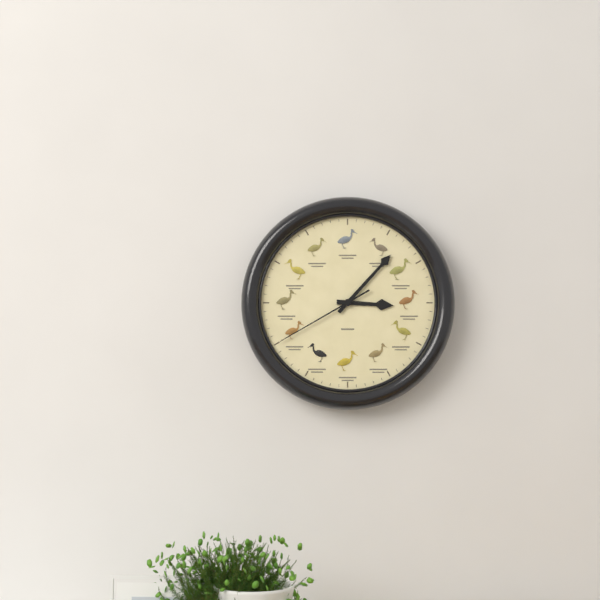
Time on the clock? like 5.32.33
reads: 3.07.40
